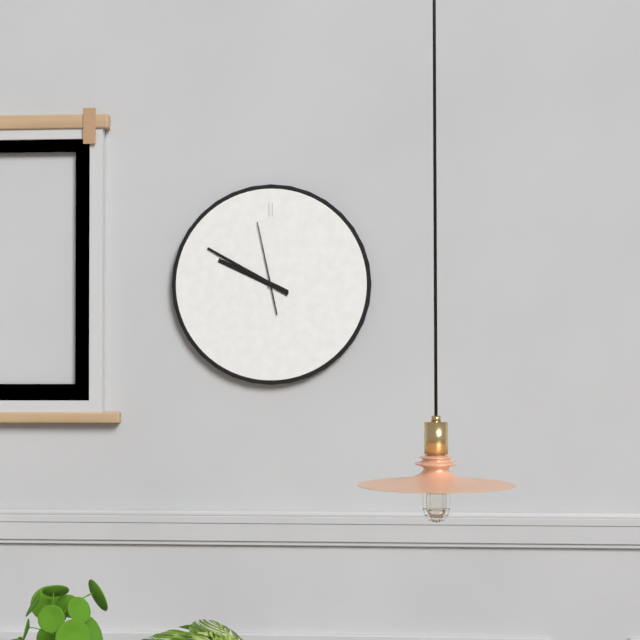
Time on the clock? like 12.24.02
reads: 9.50.58
